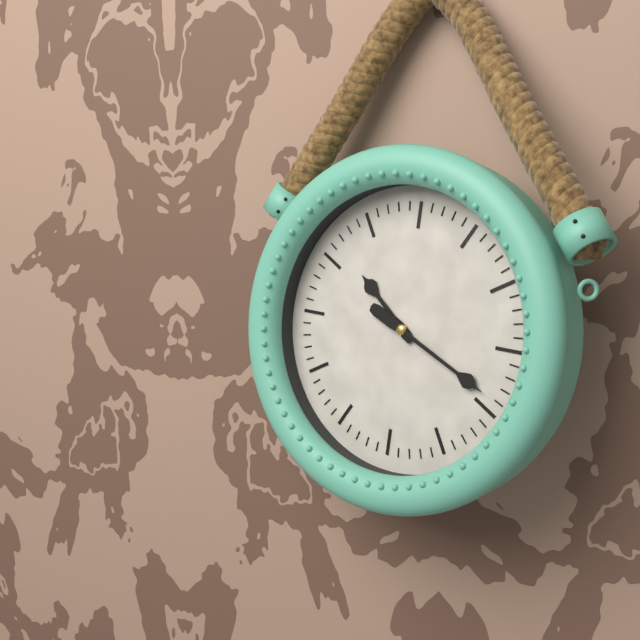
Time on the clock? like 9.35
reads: 10.19
